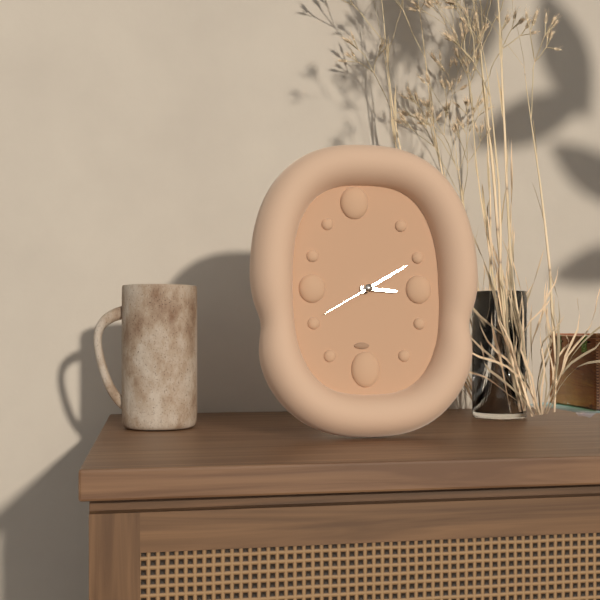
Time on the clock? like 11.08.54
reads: 3.10.40
